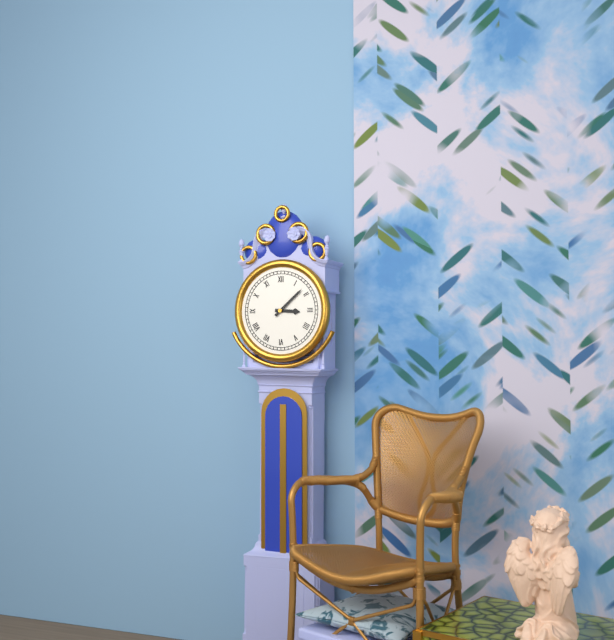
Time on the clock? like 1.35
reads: 3.08
